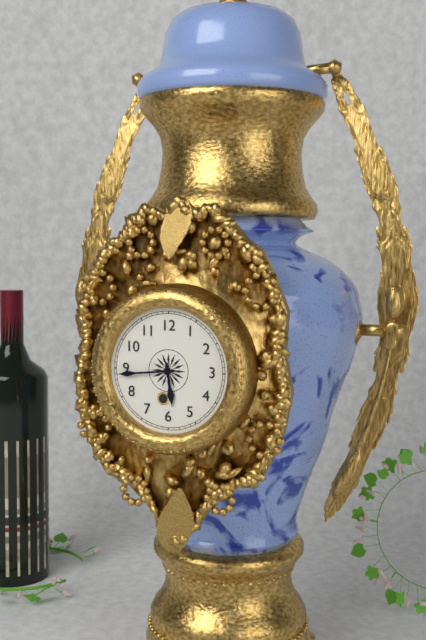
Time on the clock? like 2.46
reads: 5.44
